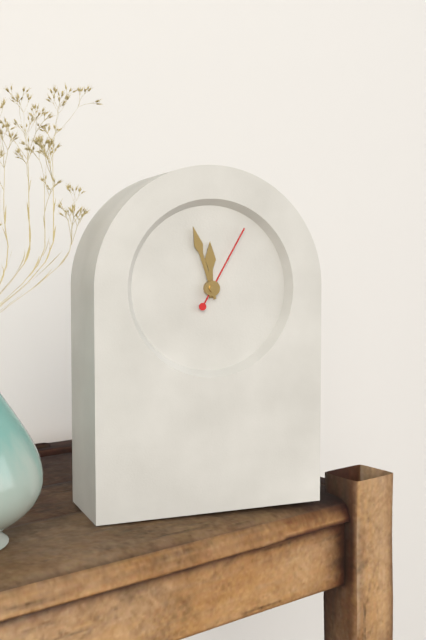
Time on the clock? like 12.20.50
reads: 11.57.05
